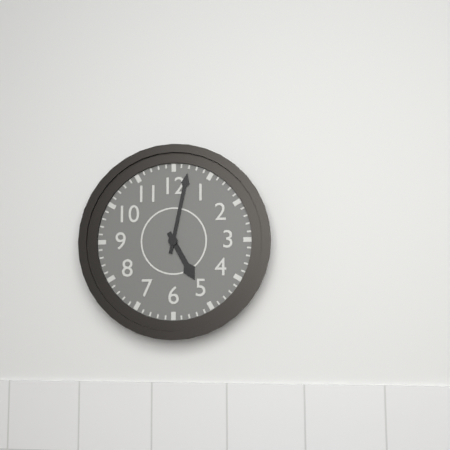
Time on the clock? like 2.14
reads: 5.02
